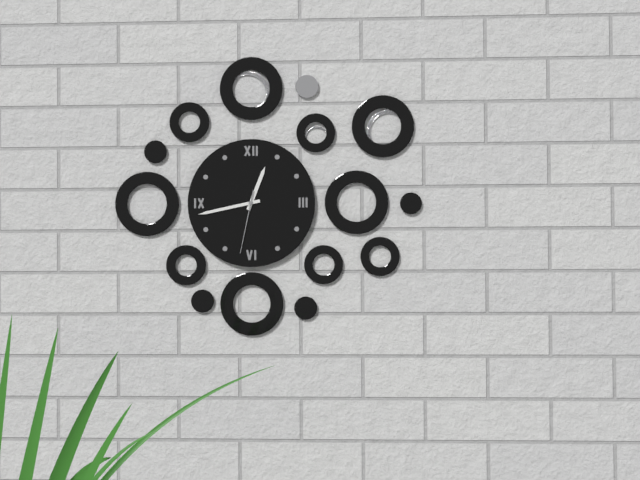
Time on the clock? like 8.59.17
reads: 12.43.32
